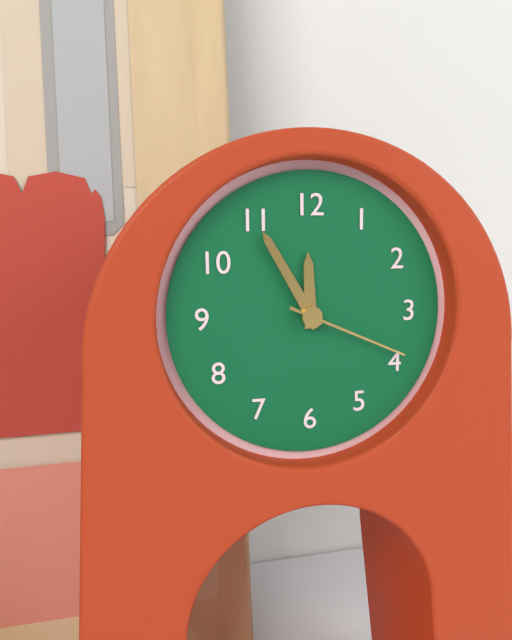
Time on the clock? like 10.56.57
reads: 11.55.19
